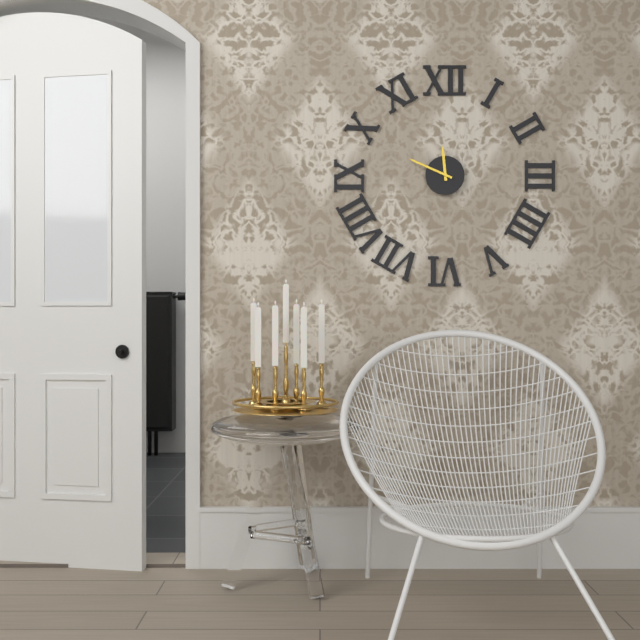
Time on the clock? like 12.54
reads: 11.49
